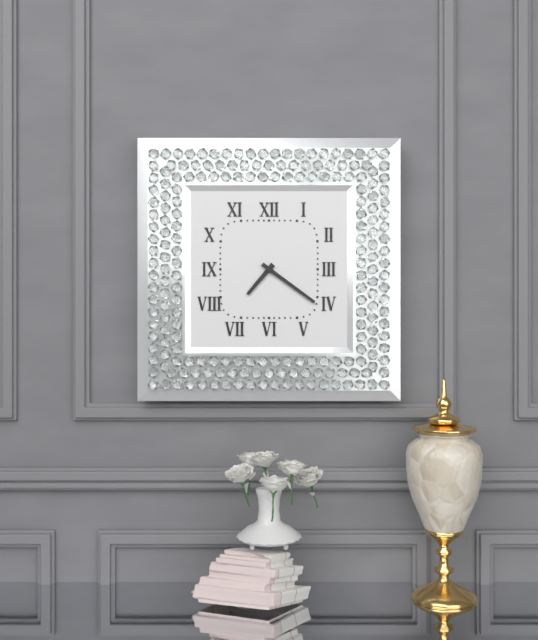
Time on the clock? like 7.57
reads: 7.21
